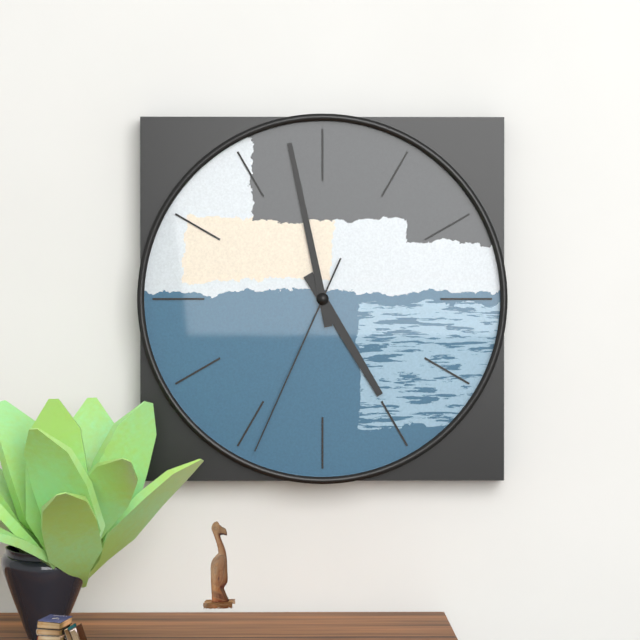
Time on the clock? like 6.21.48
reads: 4.58.34
